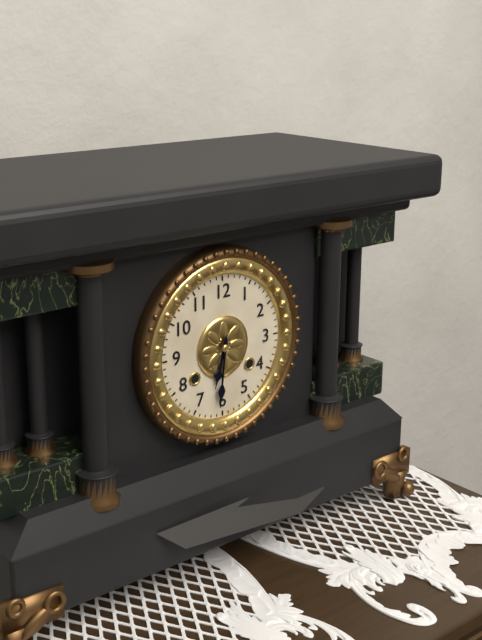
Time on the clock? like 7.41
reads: 6.31
